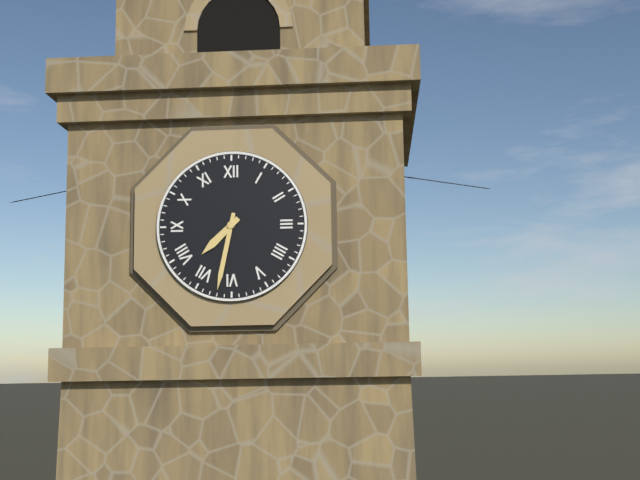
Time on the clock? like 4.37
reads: 7.32
